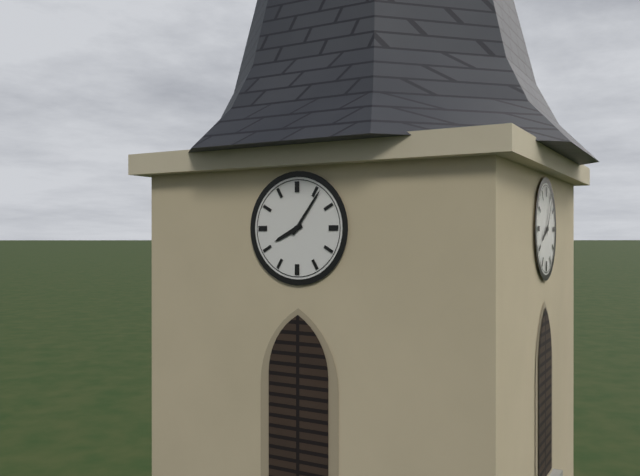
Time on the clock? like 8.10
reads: 8.06
